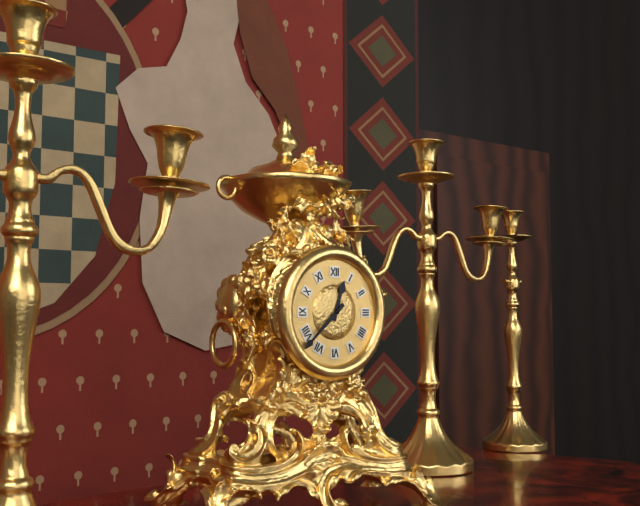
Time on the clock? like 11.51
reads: 12.38
